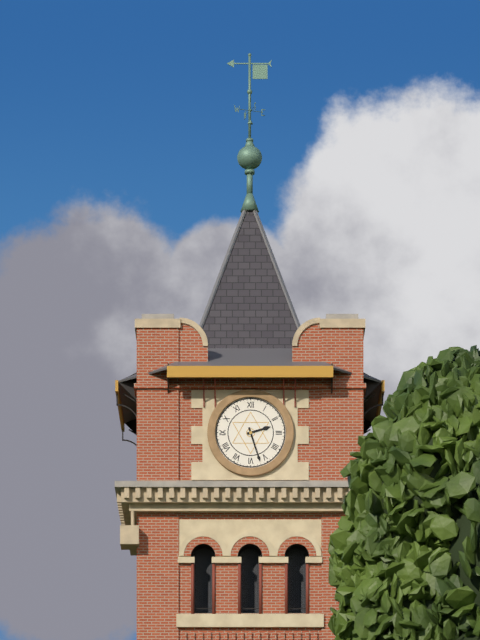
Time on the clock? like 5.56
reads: 2.27
